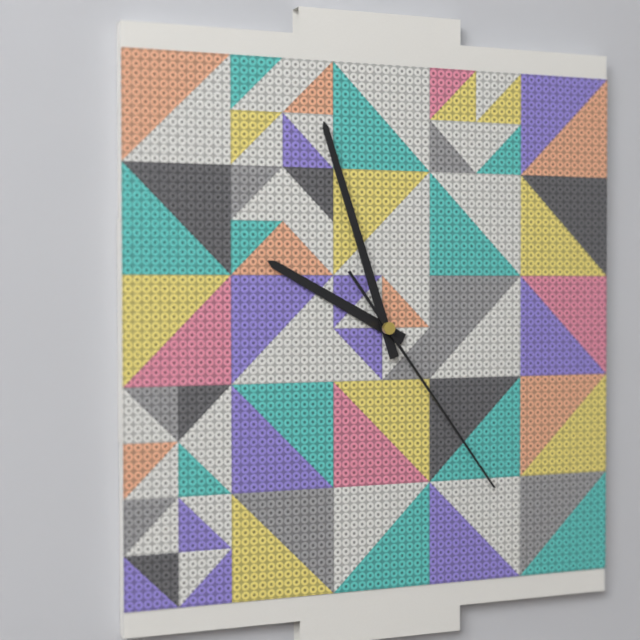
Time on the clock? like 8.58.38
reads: 9.57.24
